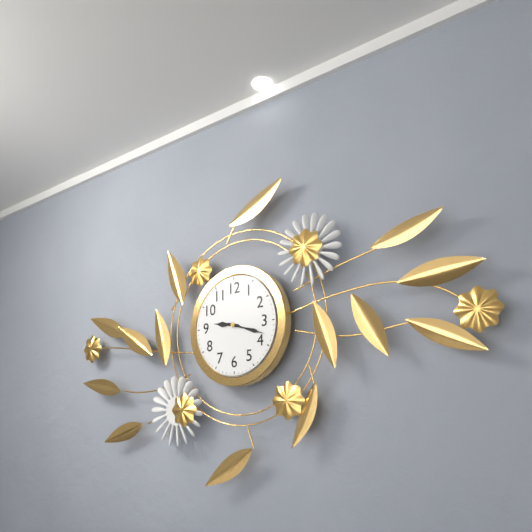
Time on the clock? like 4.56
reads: 9.18
